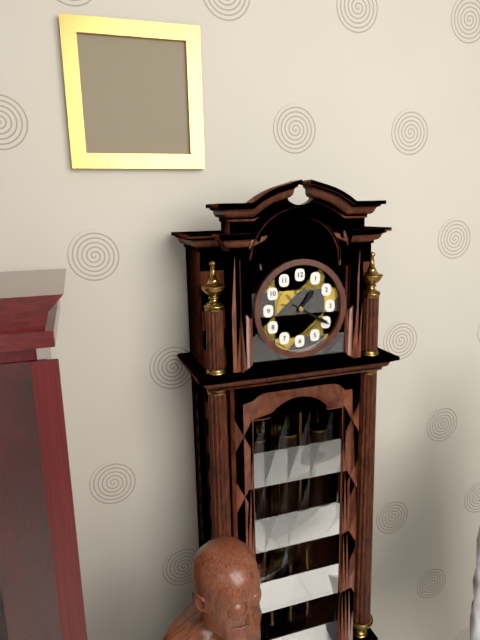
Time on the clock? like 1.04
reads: 1.20
